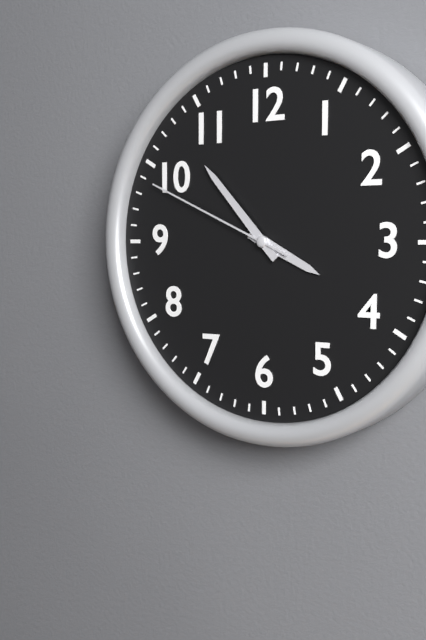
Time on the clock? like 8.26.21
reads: 3.53.49
